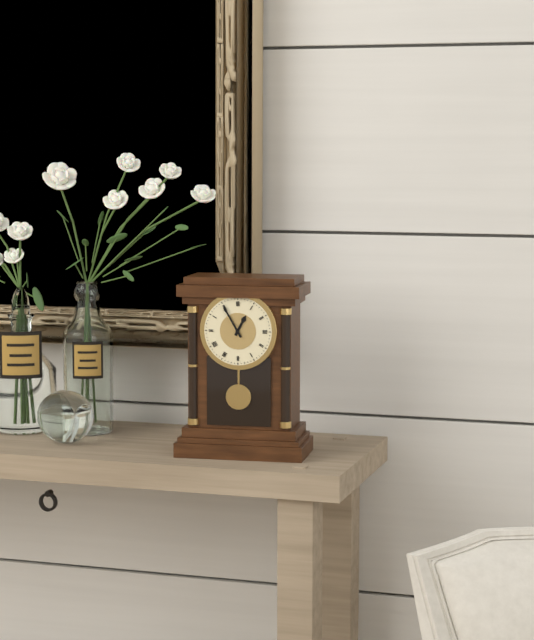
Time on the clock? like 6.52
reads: 12.55
